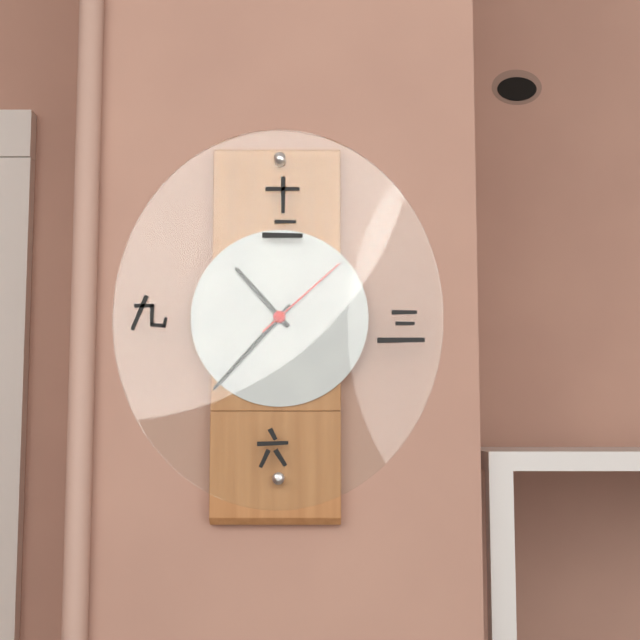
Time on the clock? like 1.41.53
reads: 10.37.08
